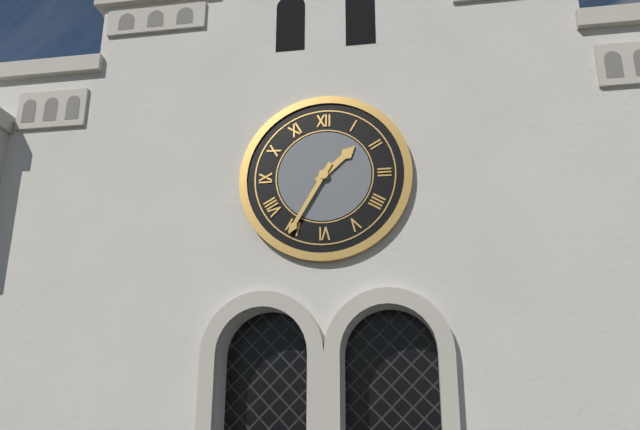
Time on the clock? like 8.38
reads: 1.35
